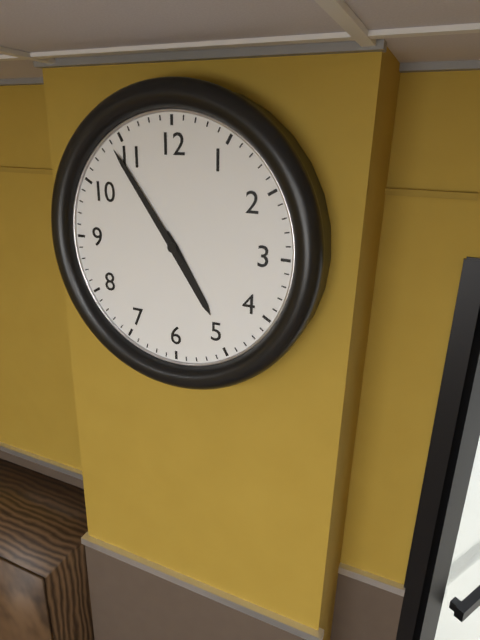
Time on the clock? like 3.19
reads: 4.54
